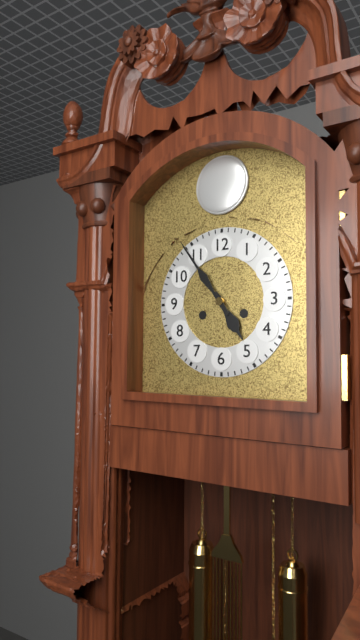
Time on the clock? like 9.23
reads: 4.54
